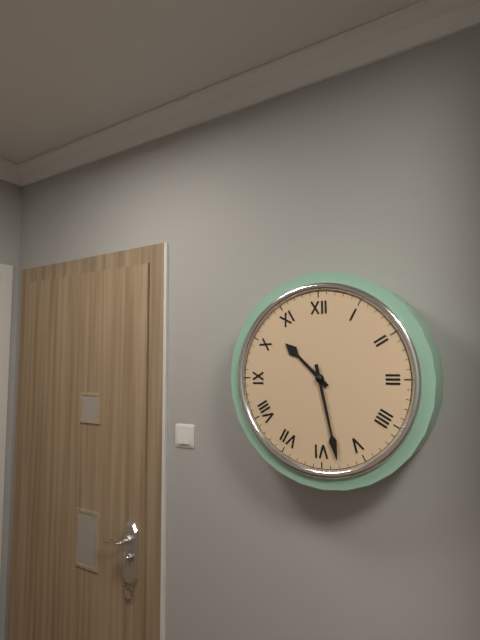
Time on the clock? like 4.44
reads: 10.28
